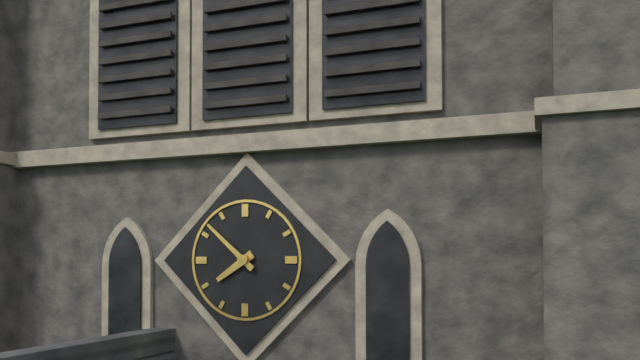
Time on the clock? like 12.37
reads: 7.52
